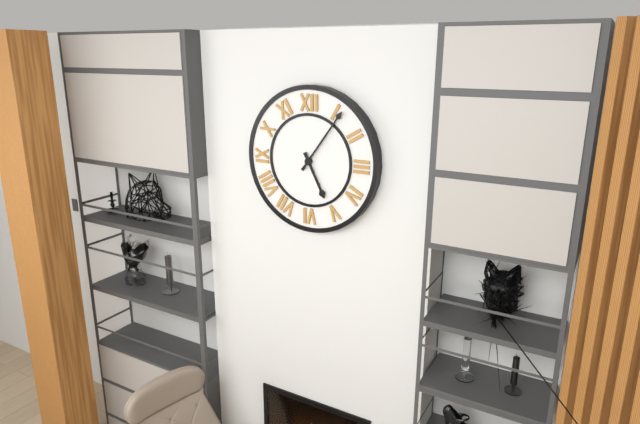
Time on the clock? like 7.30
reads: 5.06
